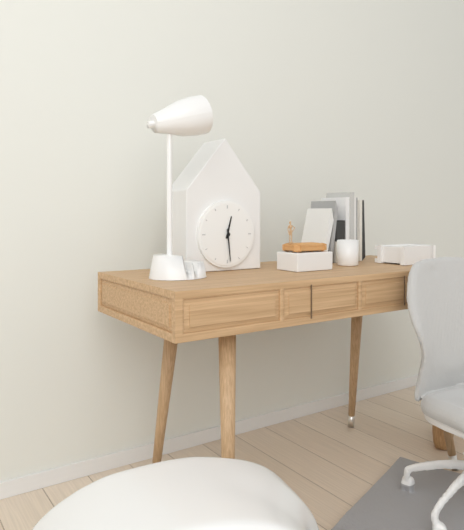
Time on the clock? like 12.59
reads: 12.29
